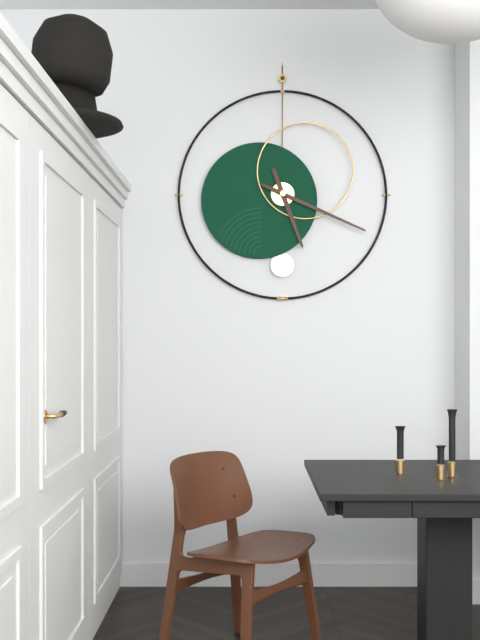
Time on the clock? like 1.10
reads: 5.19
